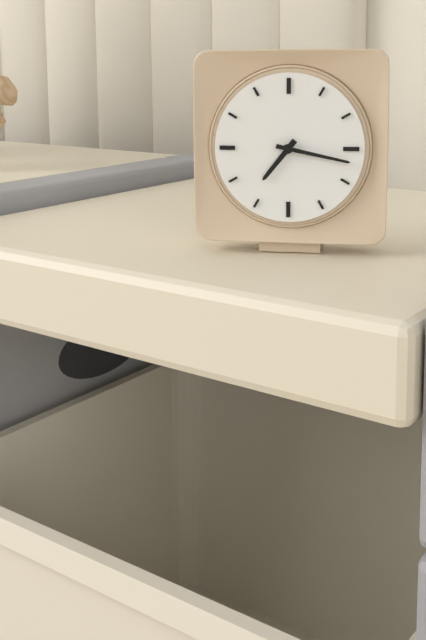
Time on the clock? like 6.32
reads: 7.17
